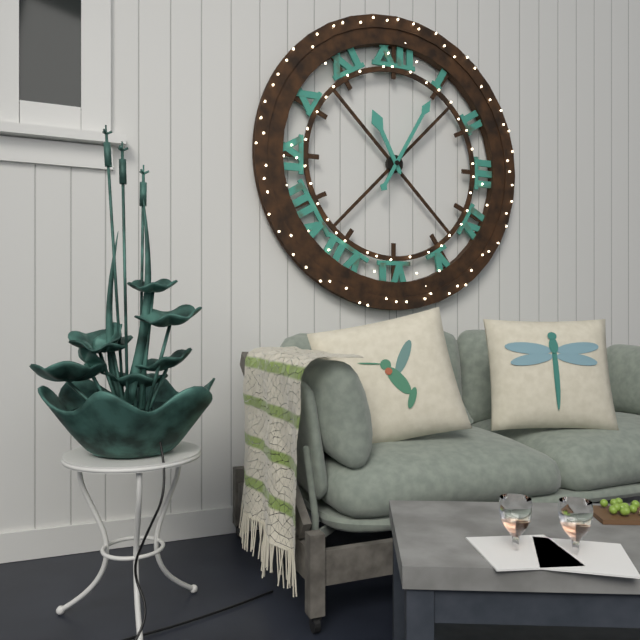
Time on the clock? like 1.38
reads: 11.05
